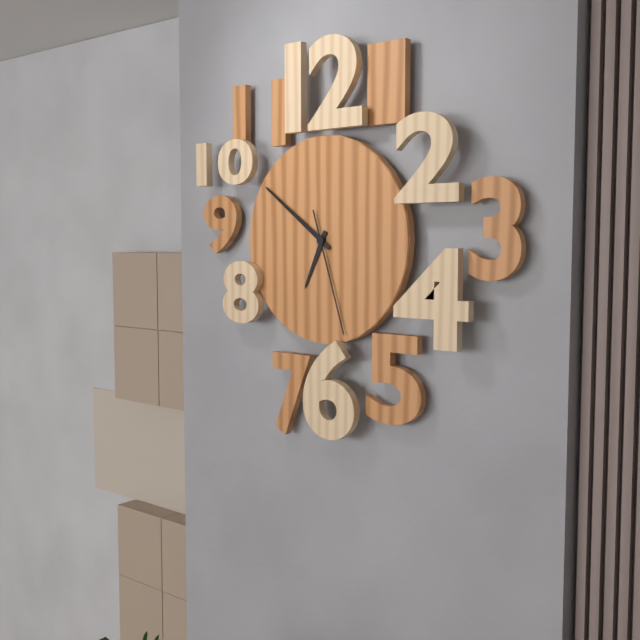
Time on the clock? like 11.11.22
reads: 6.51.27
